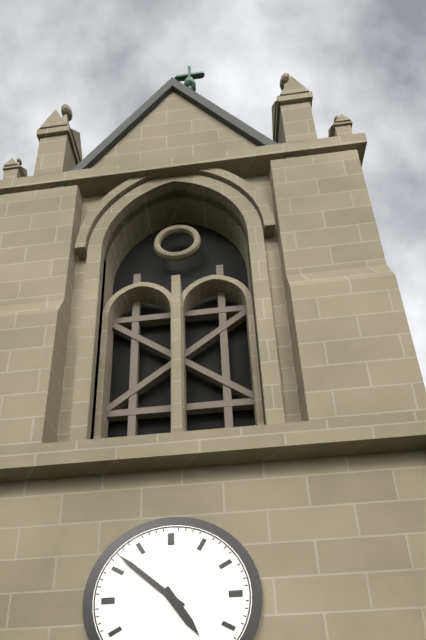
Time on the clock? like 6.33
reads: 4.52
